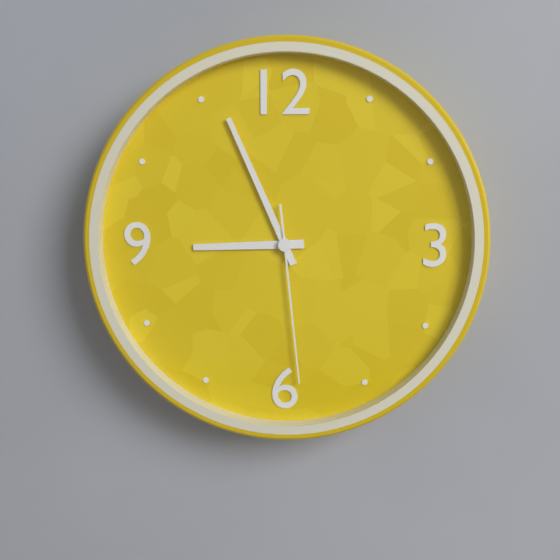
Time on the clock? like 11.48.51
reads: 8.56.29
